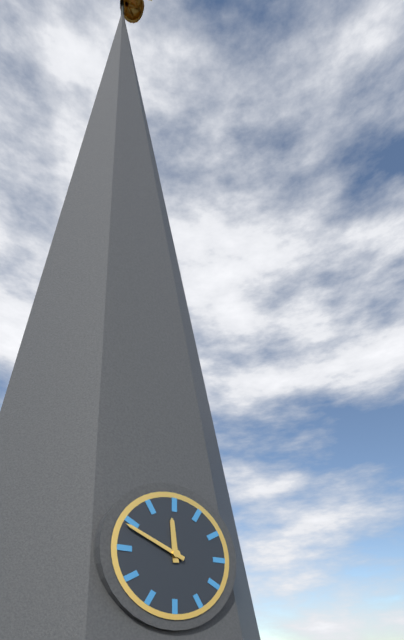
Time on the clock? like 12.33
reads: 11.49
